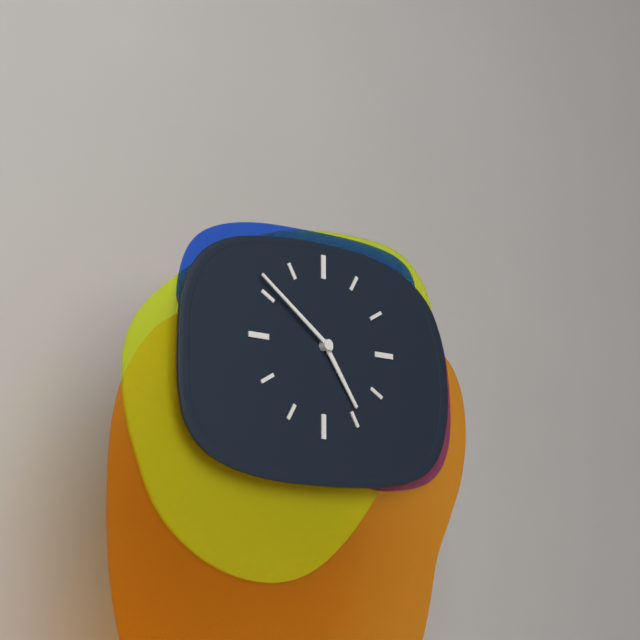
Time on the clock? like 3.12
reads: 4.51
